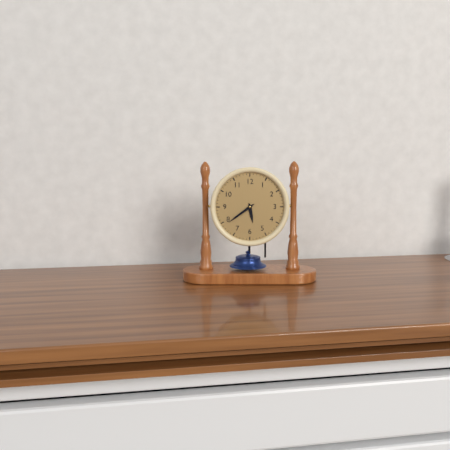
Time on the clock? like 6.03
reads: 5.39
